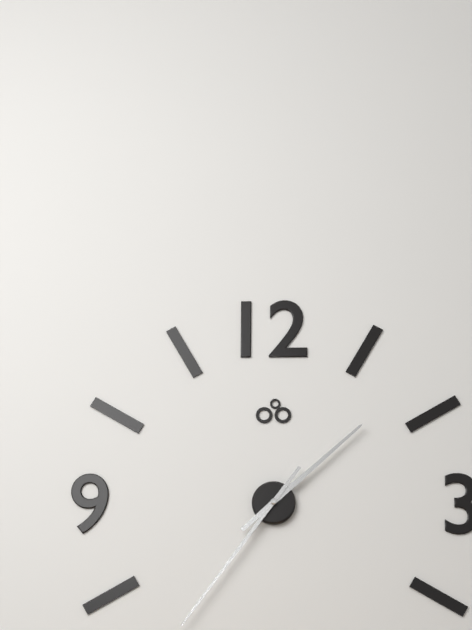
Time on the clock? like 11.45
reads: 1.36
